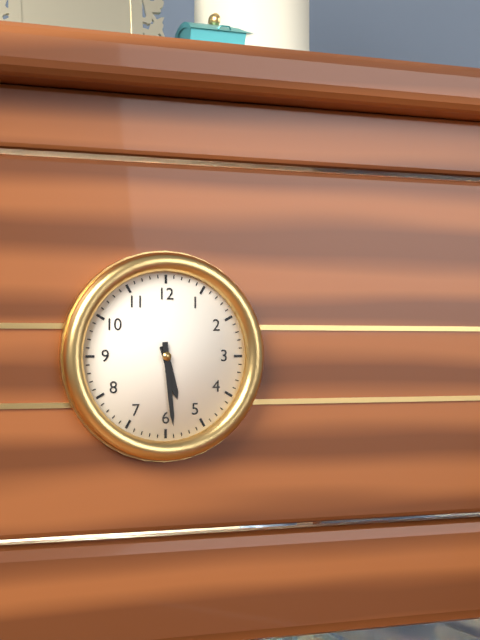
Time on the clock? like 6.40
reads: 5.29
